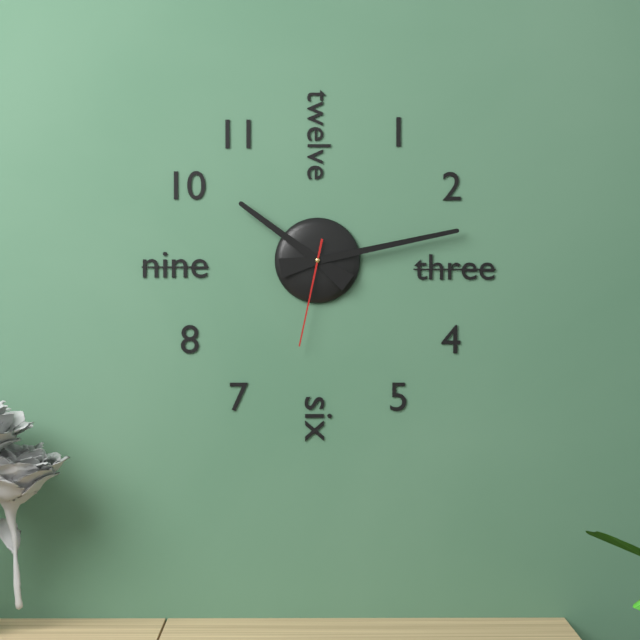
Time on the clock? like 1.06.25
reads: 10.13.32
